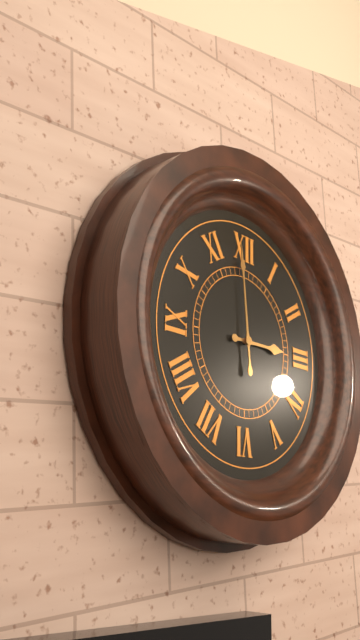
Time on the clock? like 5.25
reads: 2.59
